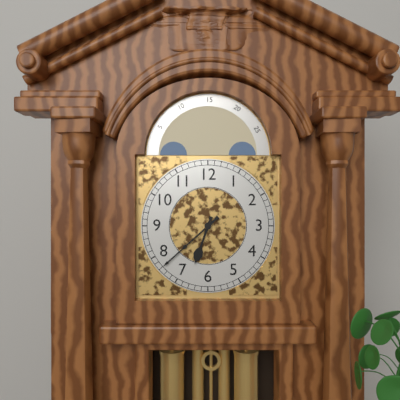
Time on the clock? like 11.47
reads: 6.38
